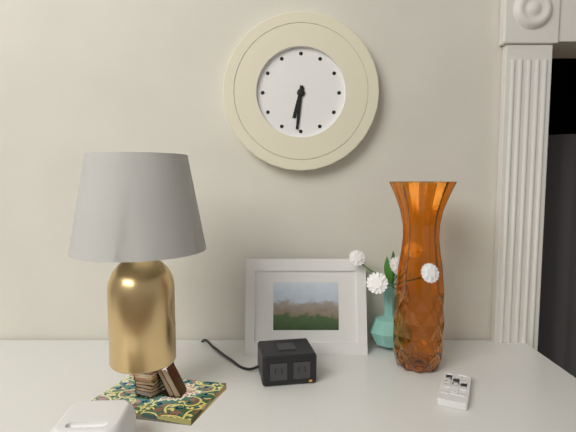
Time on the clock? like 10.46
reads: 6.31
